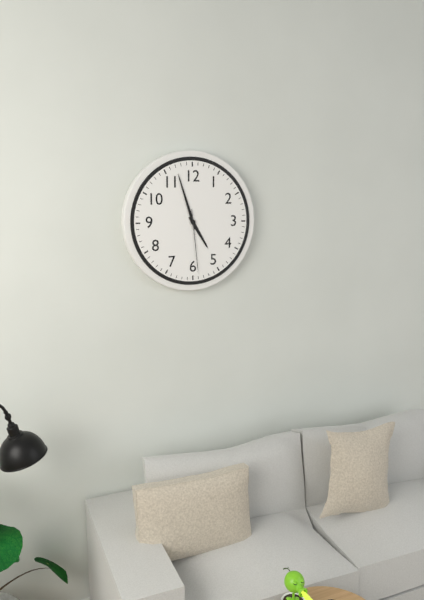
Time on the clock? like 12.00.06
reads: 4.57.29
